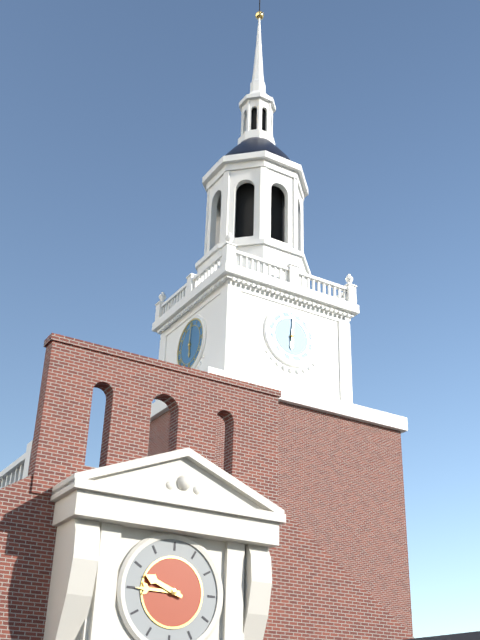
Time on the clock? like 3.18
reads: 6.01
